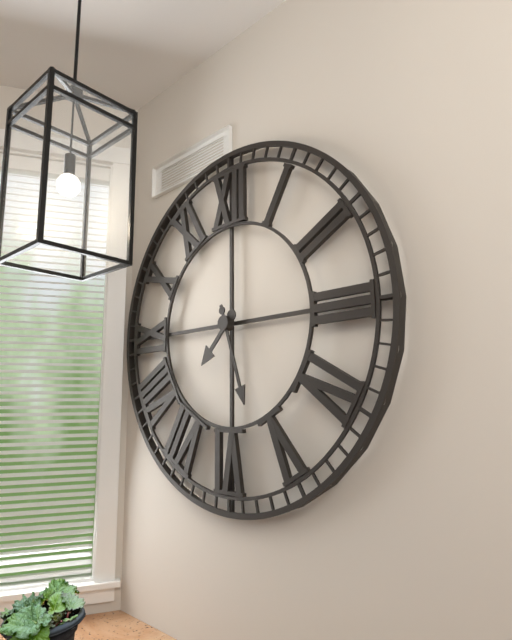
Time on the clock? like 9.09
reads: 7.27
